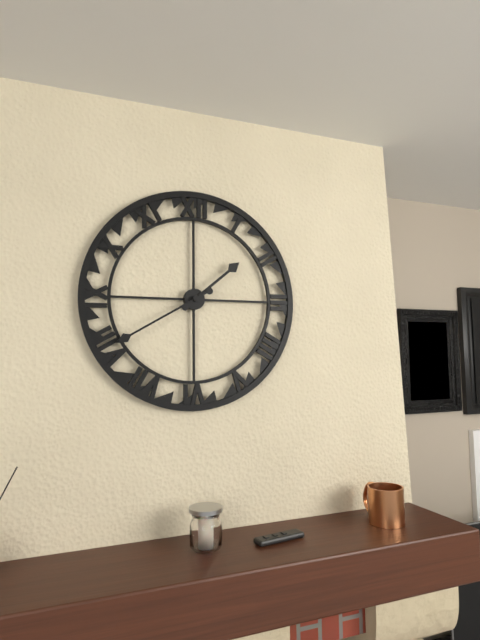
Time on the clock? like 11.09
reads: 1.40
